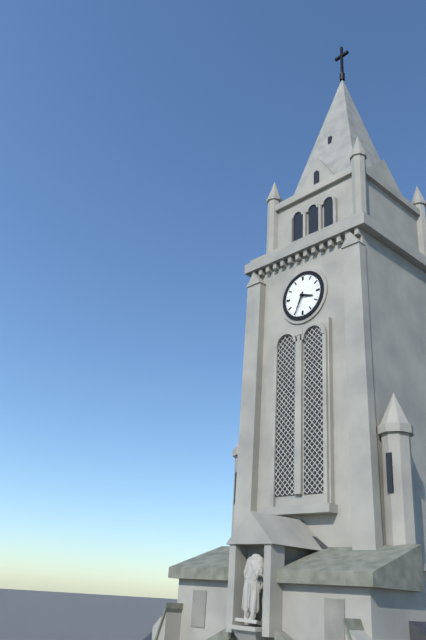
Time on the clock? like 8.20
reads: 3.34
